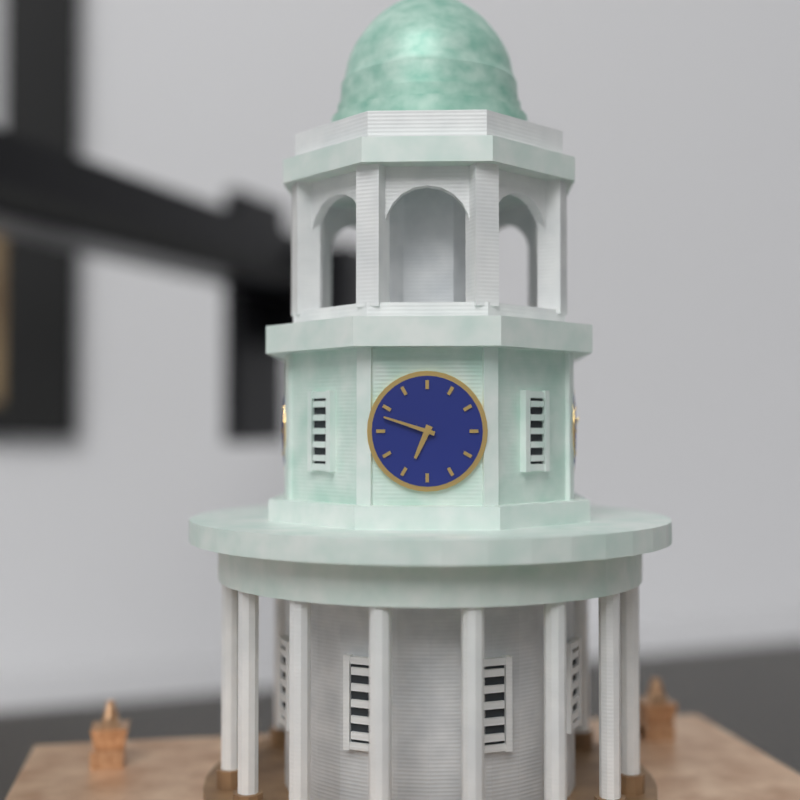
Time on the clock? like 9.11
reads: 6.48
